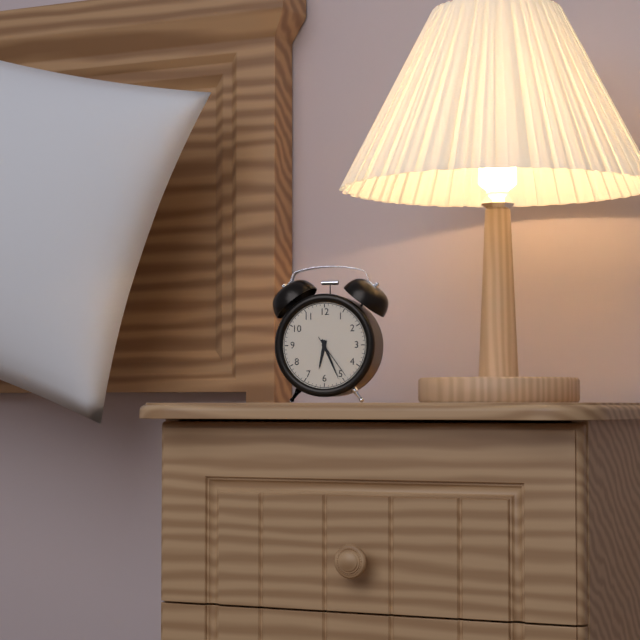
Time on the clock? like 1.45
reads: 6.26
